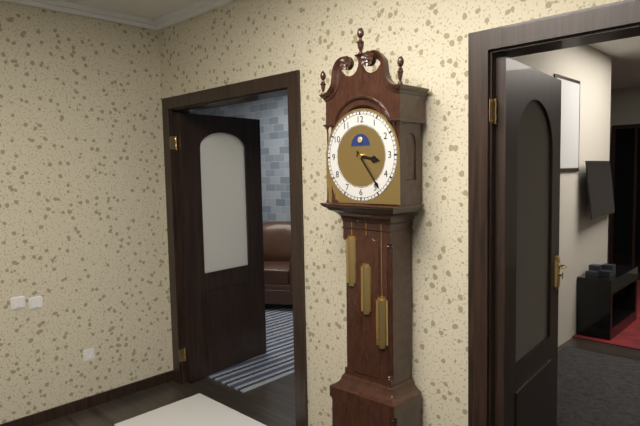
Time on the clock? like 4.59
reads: 3.24
